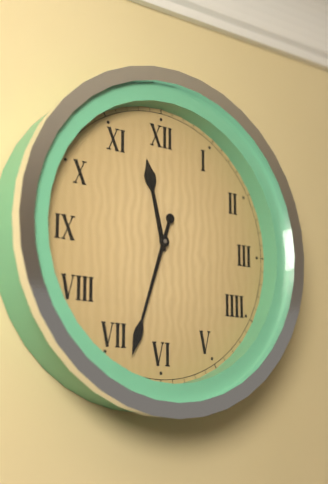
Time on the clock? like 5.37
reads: 11.33
